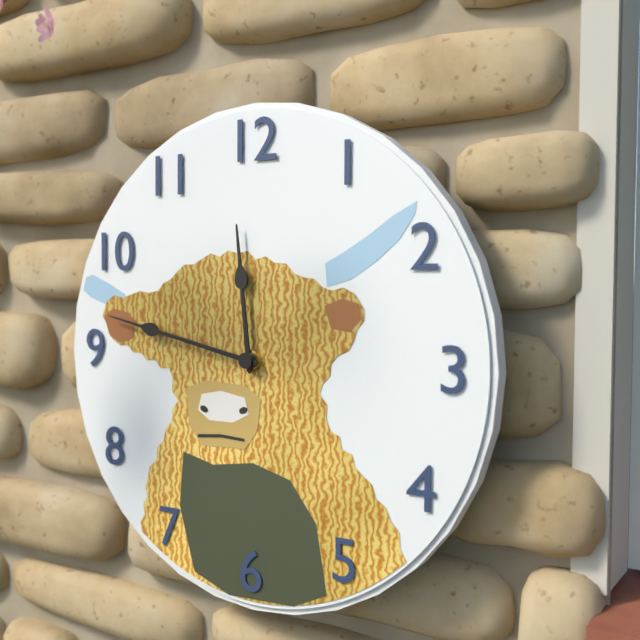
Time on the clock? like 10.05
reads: 11.47
